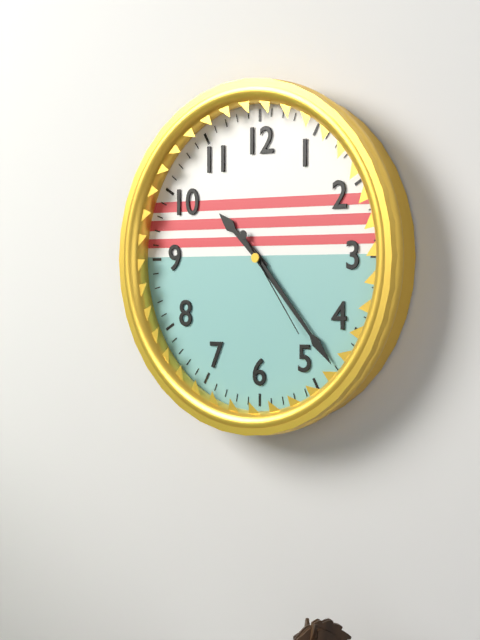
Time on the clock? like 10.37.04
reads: 10.23.24
